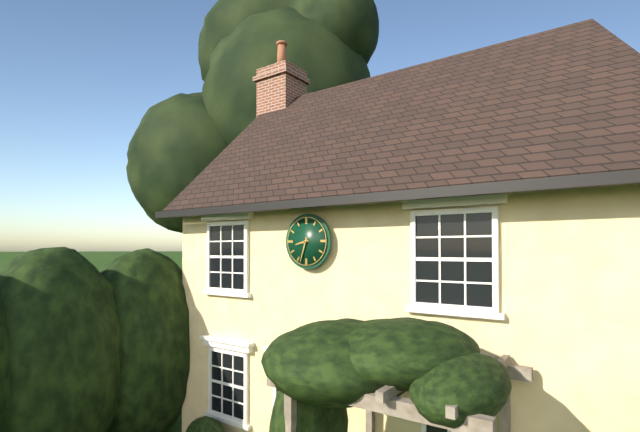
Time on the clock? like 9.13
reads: 8.33
